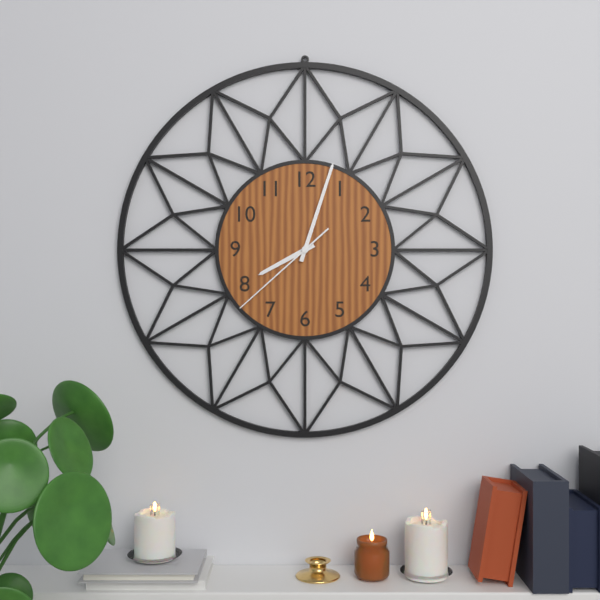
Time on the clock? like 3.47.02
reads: 8.03.38
